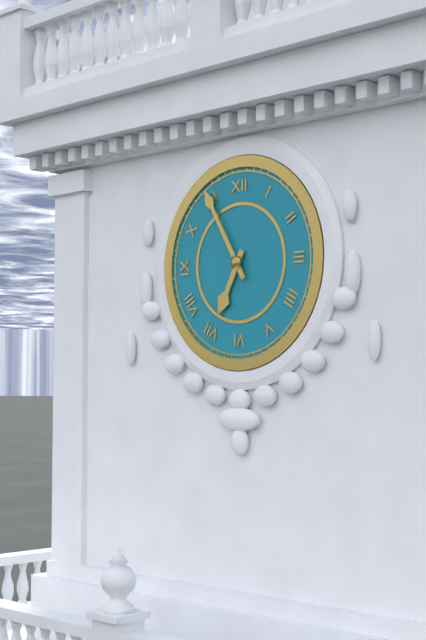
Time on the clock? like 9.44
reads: 6.55
